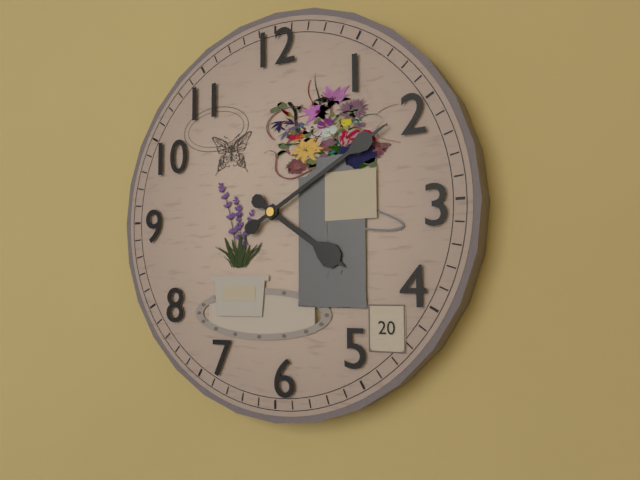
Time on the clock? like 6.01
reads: 4.10
